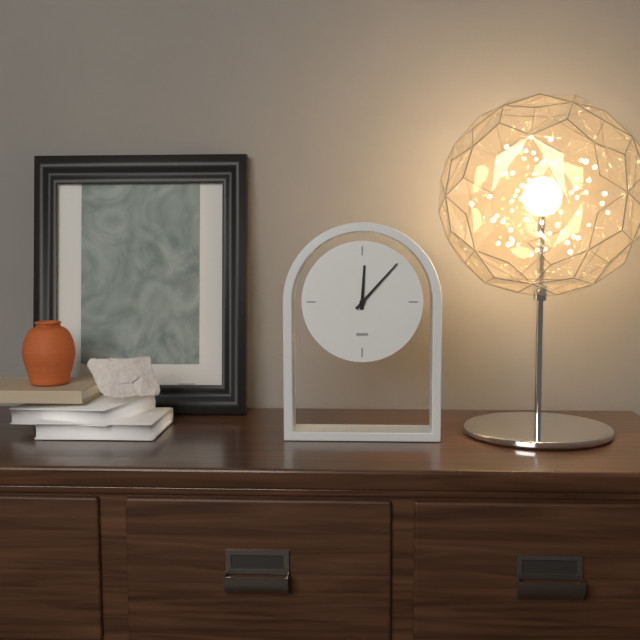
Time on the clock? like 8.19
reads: 12.07
